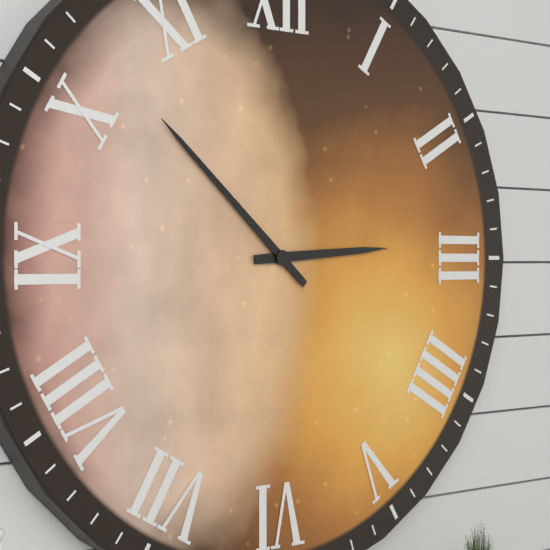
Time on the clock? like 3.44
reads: 2.52
